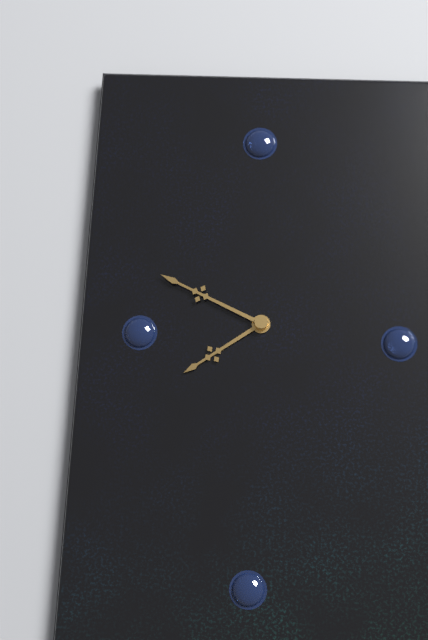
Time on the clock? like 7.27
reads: 7.49
